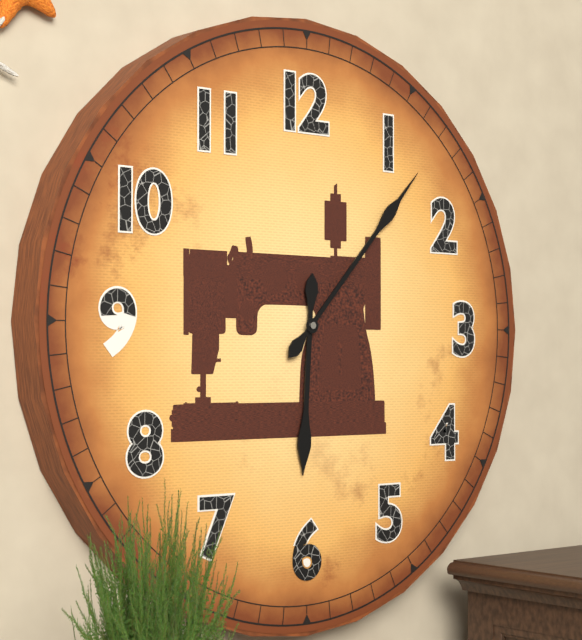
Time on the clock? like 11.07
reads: 6.07
